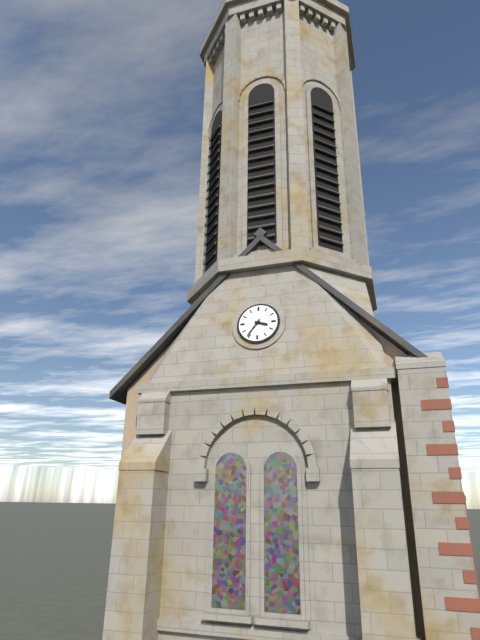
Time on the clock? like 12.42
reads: 3.36
